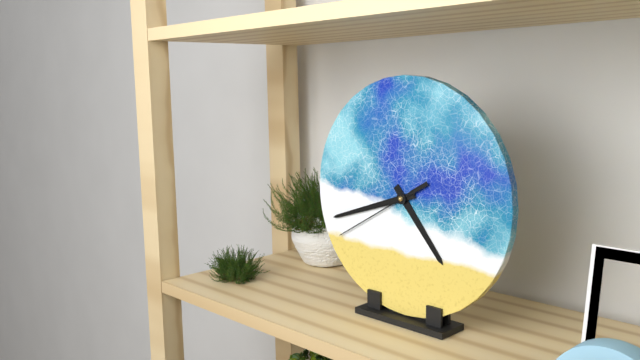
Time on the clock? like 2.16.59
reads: 4.42.40
